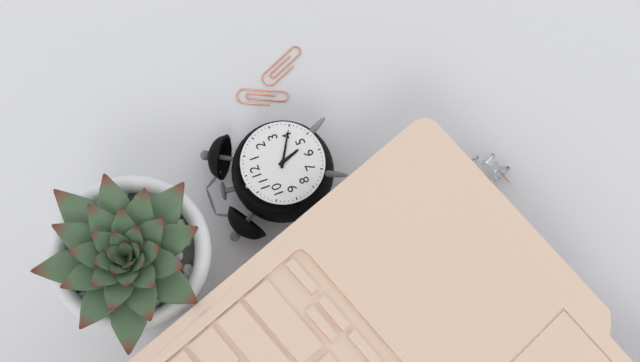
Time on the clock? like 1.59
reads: 5.20
